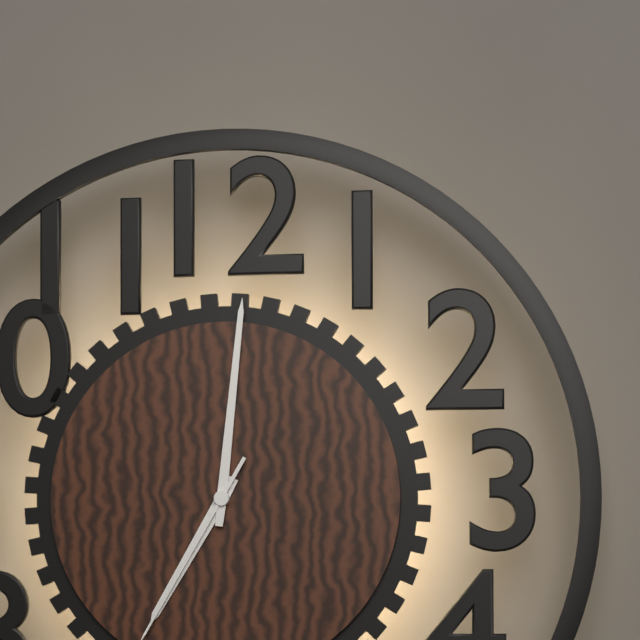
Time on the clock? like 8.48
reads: 7.01
